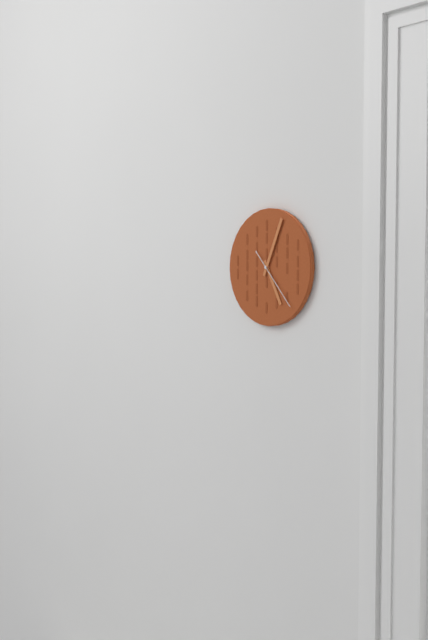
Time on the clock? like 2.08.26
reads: 5.04.23
